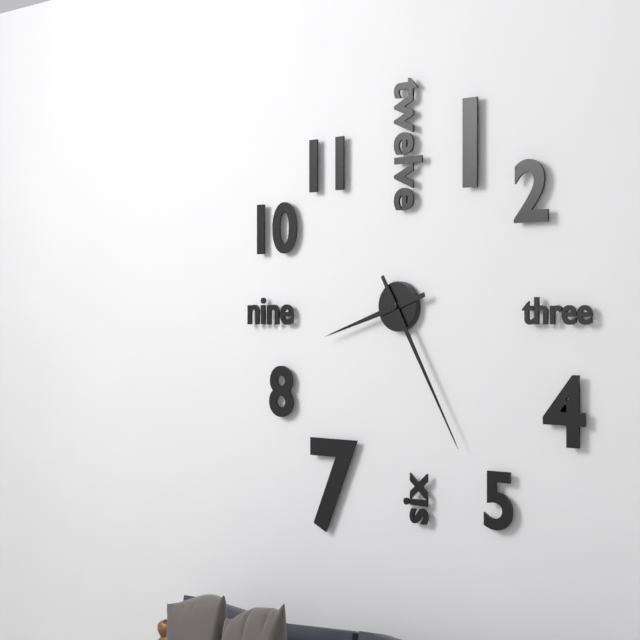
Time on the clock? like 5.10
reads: 8.25
